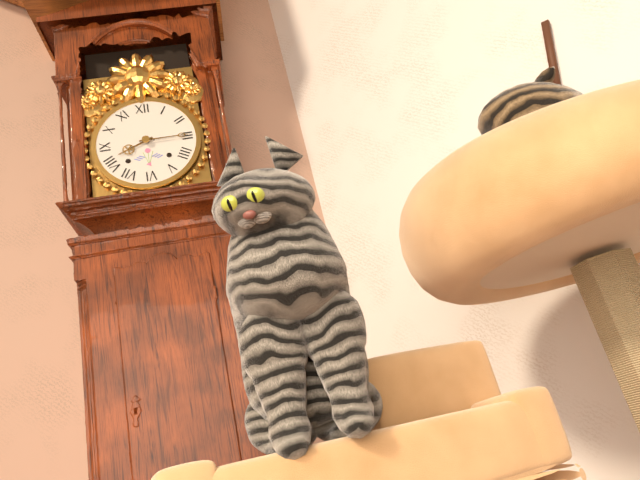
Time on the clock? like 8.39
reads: 8.15
